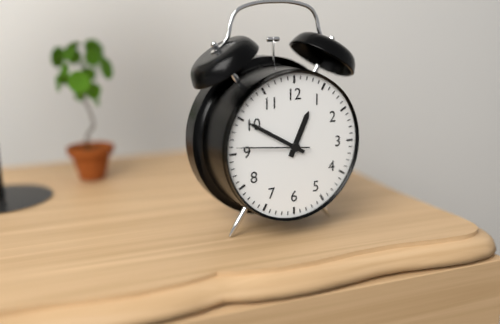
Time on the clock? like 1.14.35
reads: 12.50.46
